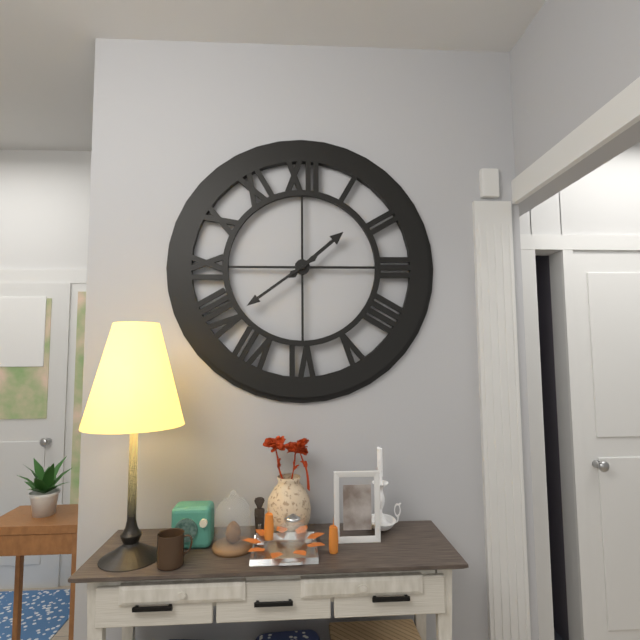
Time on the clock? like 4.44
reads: 1.39
